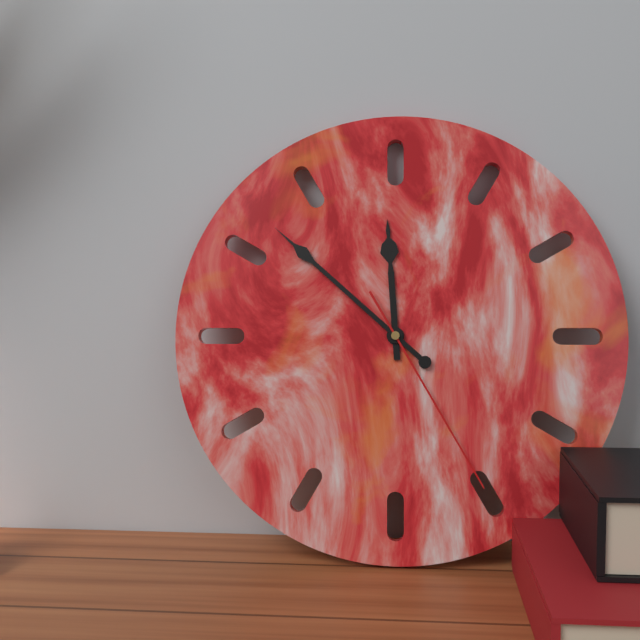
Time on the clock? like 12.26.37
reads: 11.52.25
